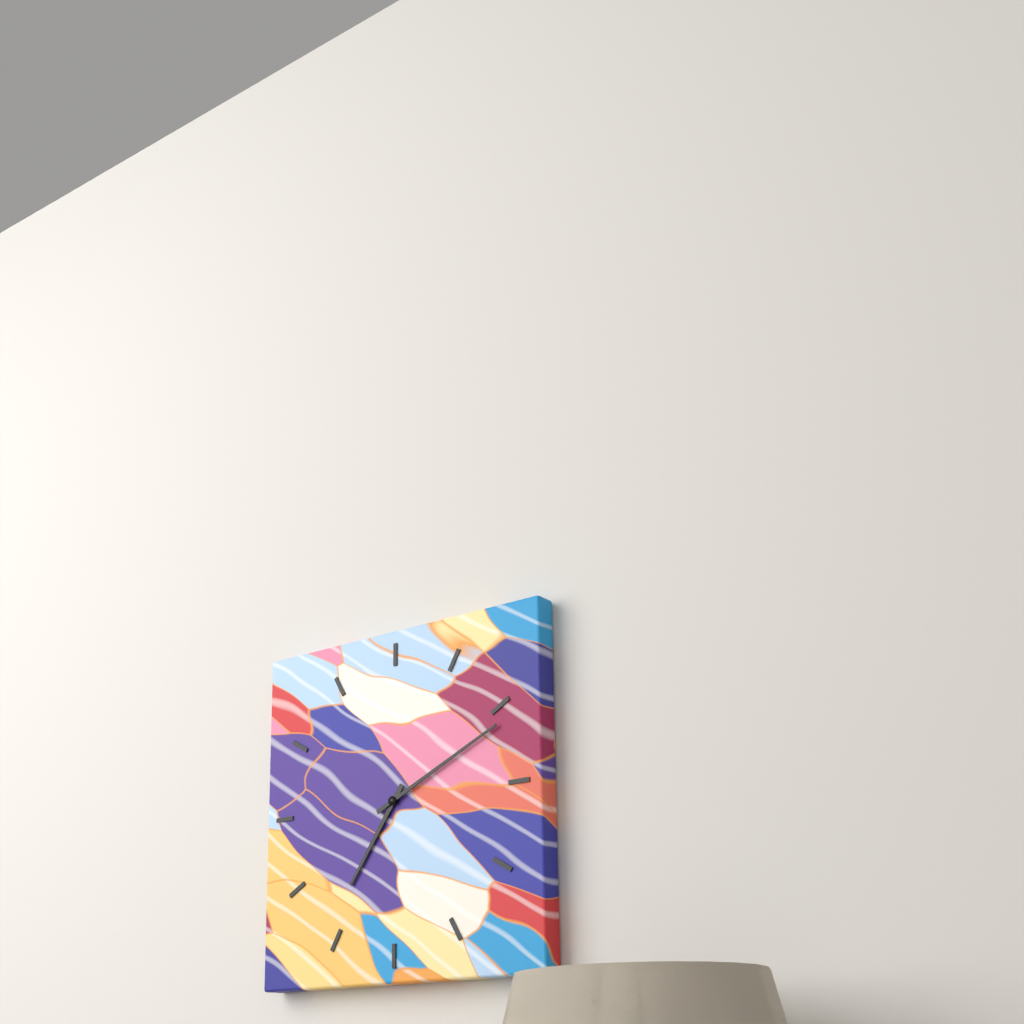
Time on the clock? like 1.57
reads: 7.11
